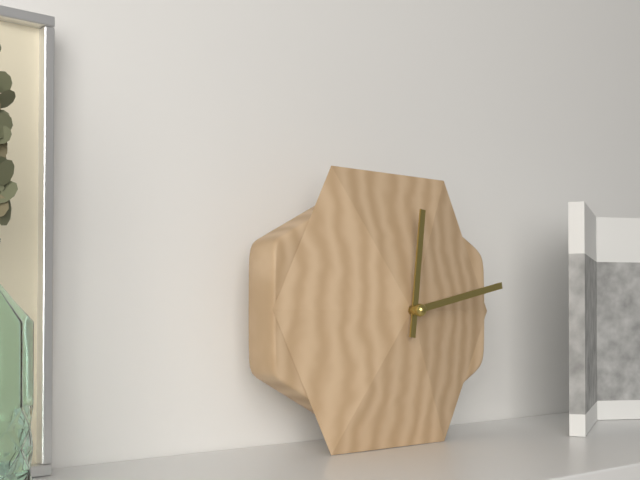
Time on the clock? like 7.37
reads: 12.13
